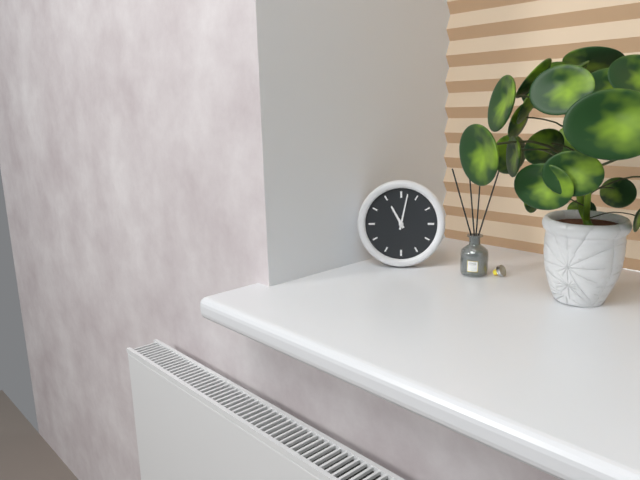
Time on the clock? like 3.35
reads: 11.02
